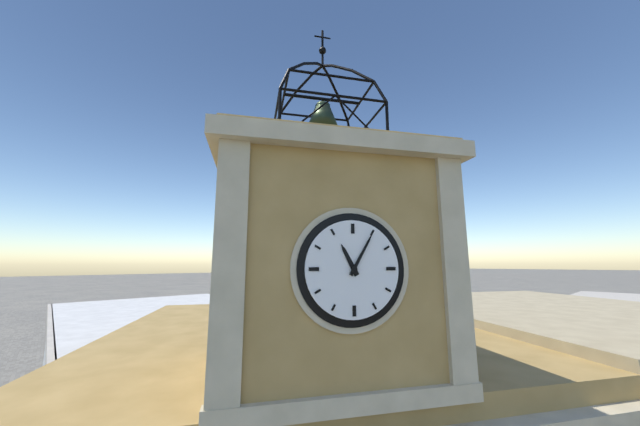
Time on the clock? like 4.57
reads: 11.05
